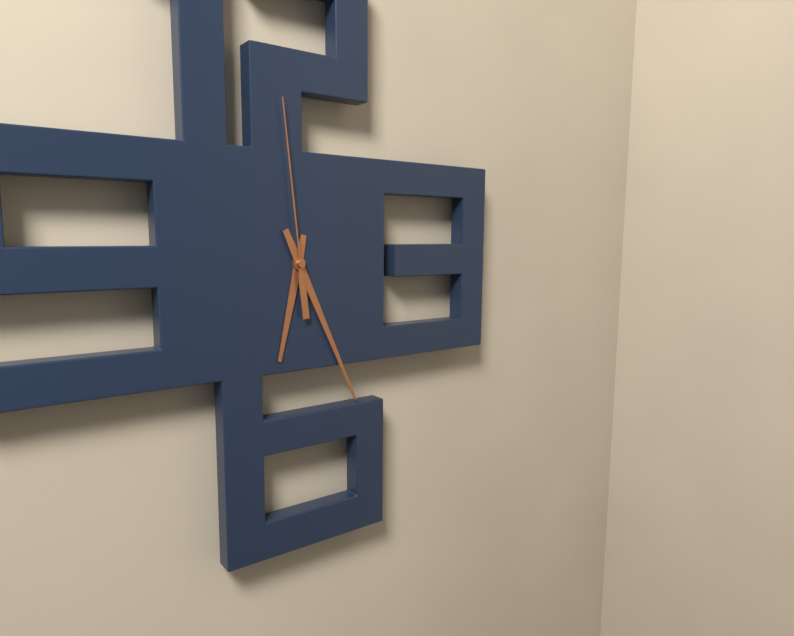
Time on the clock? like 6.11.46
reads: 6.26.59
